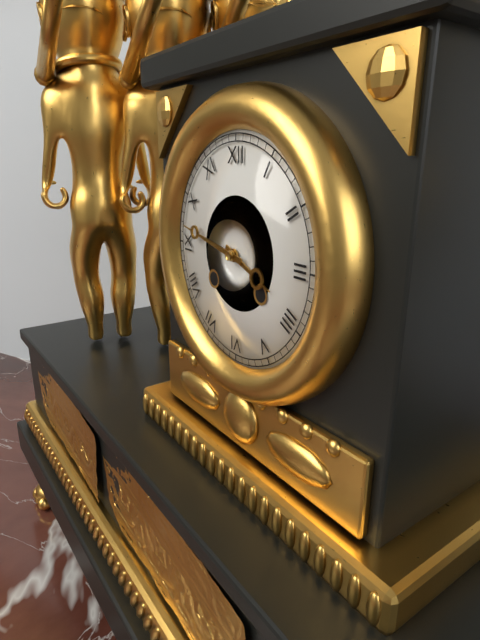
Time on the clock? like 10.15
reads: 3.47
